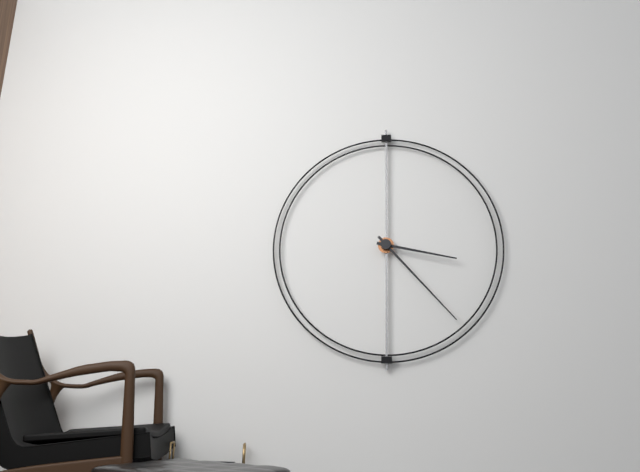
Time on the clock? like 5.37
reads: 3.23
